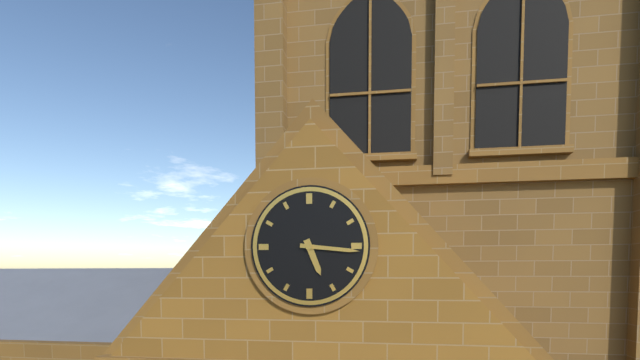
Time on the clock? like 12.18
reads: 5.16
